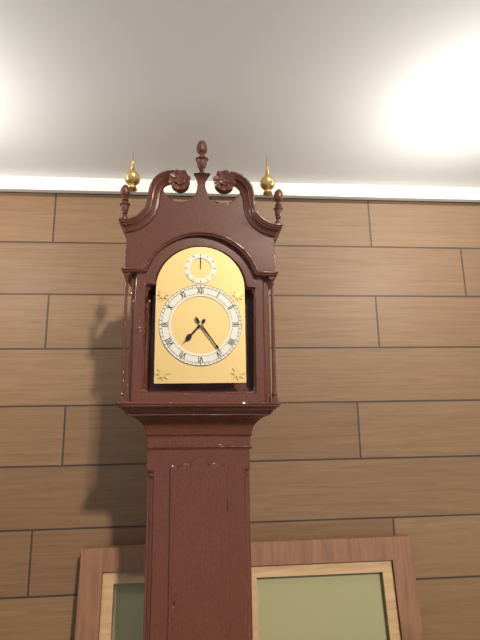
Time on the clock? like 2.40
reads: 7.24
